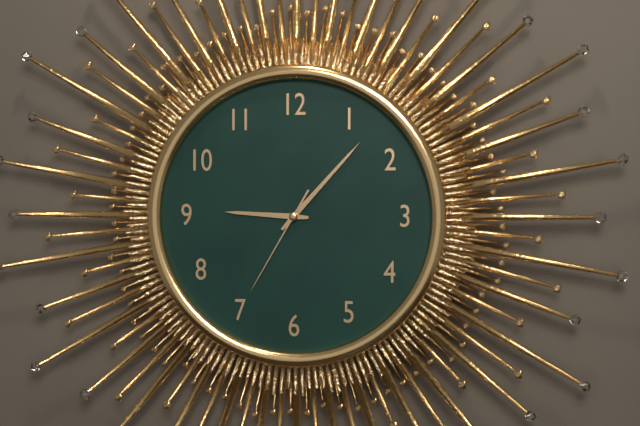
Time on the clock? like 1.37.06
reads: 9.07.35
